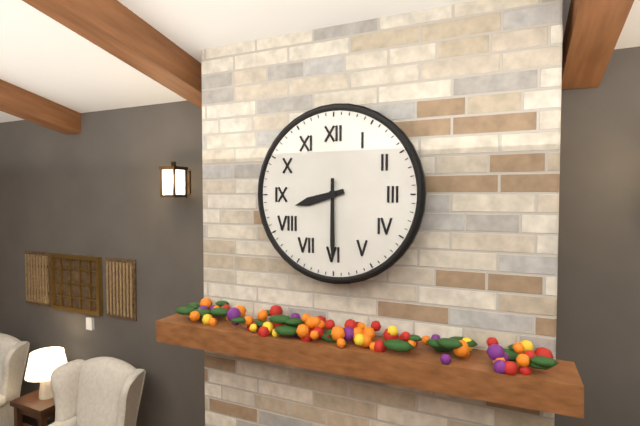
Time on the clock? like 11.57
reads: 8.30
